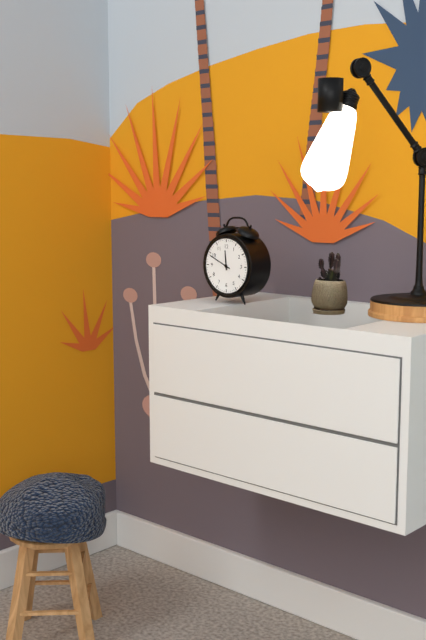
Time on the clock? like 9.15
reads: 11.49
